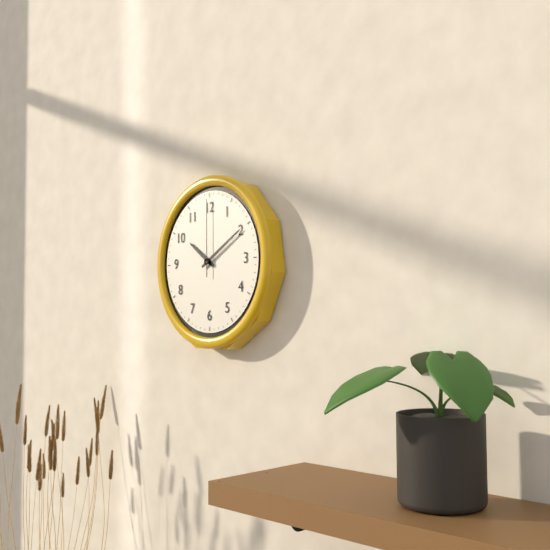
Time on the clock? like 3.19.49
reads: 10.10.00
